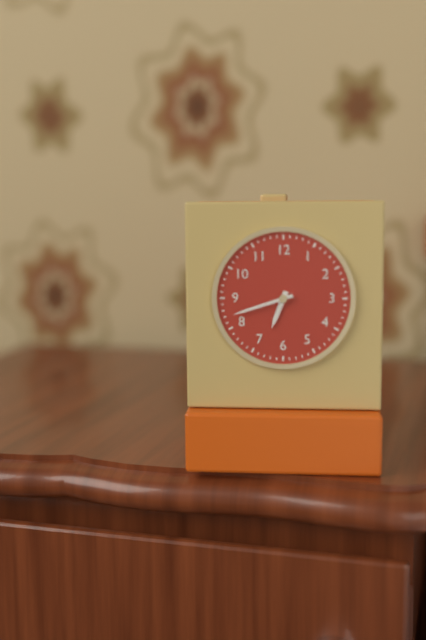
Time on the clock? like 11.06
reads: 6.42
